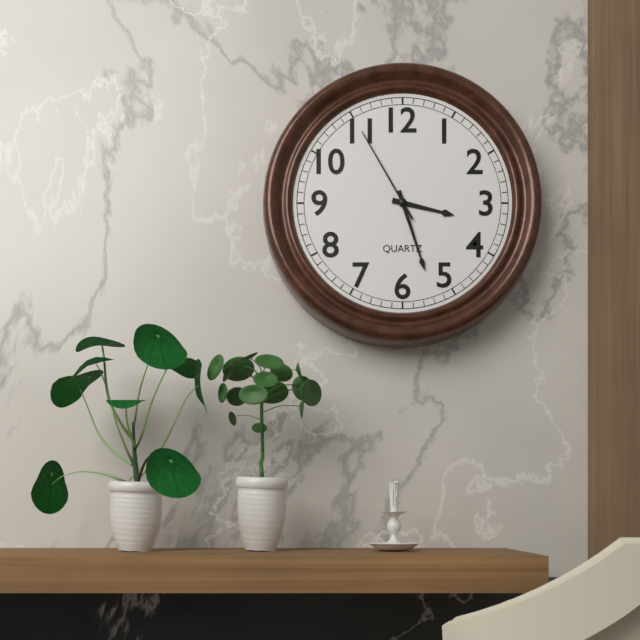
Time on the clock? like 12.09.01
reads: 3.27.55
